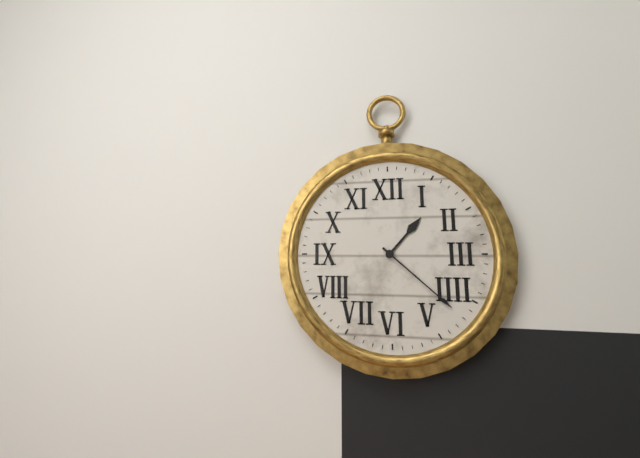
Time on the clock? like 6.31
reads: 1.22
